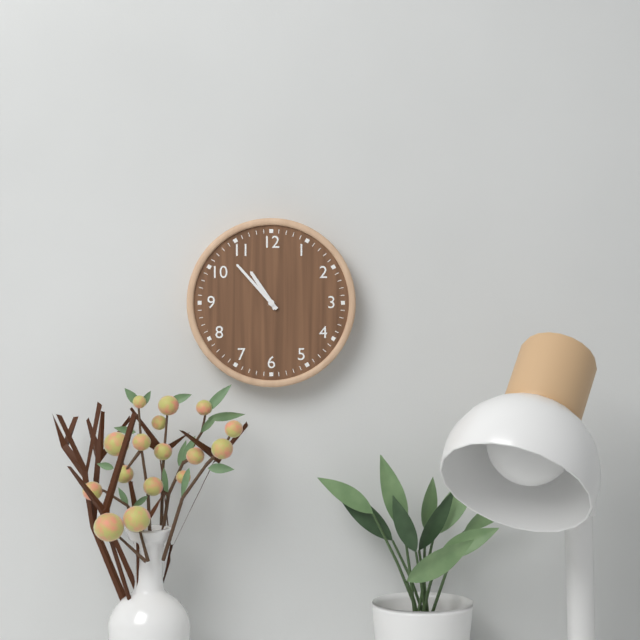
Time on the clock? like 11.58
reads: 10.53
